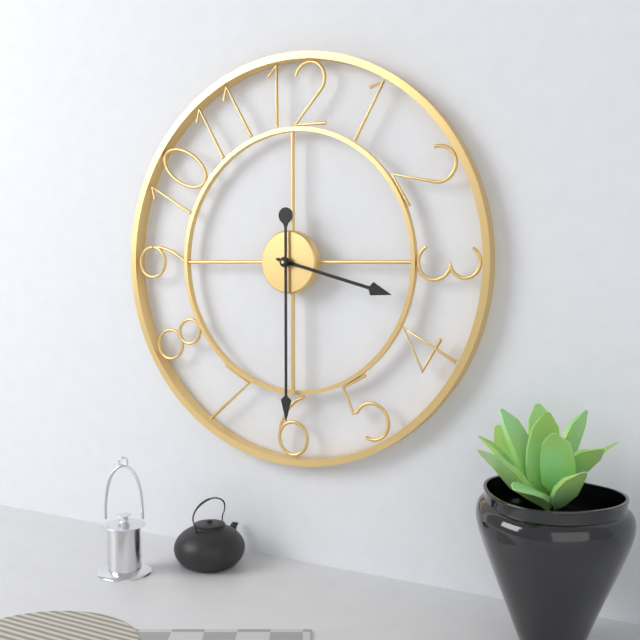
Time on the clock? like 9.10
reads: 3.30
